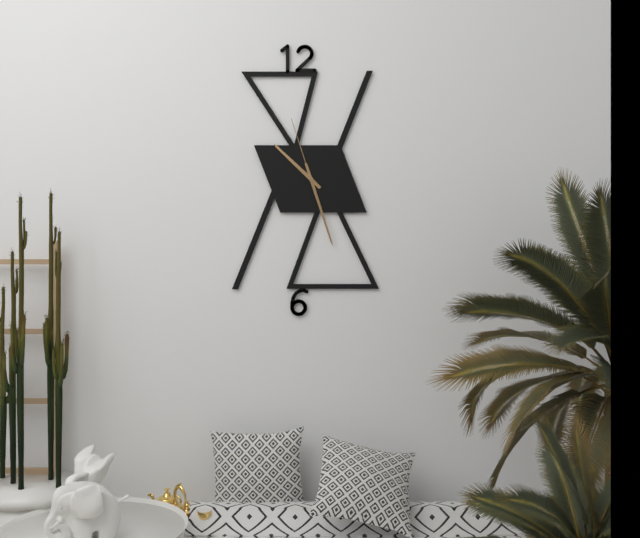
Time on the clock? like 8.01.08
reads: 10.27.57
